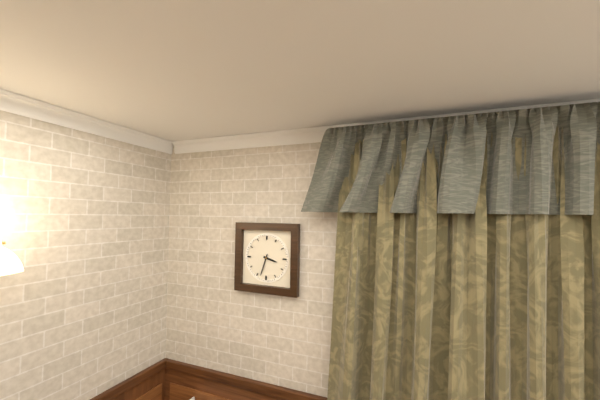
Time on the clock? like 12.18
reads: 3.33
